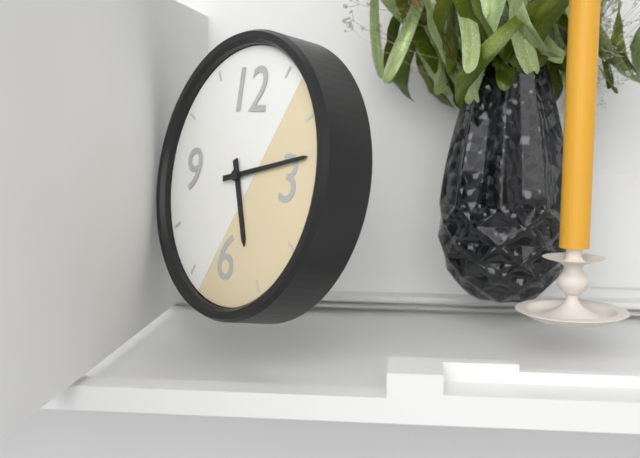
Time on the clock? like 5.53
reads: 5.13
